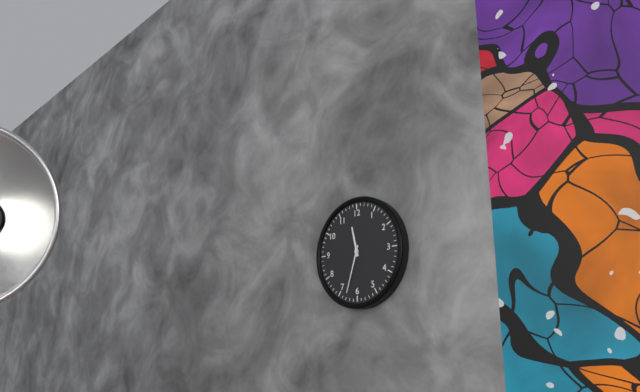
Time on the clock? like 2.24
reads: 11.33
